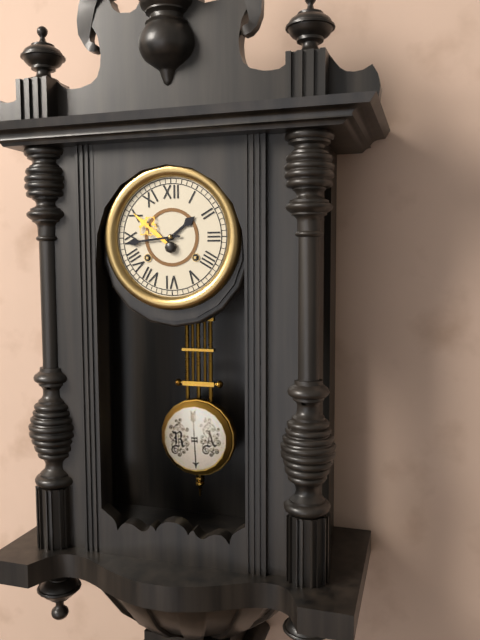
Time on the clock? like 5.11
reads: 1.44
